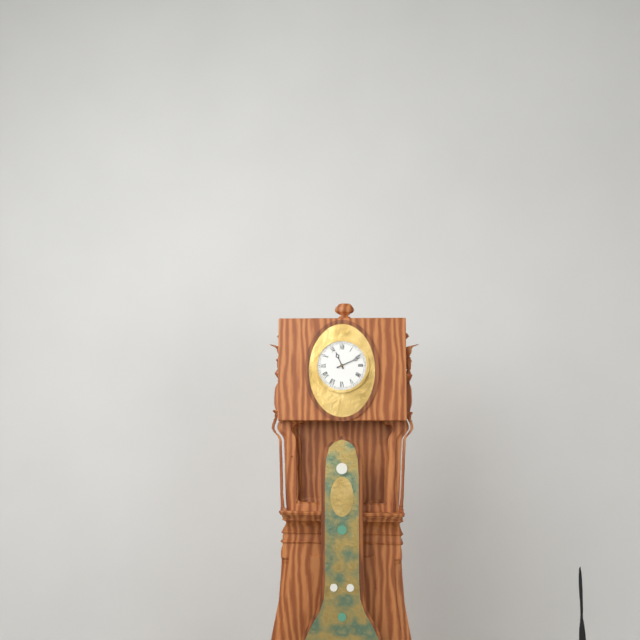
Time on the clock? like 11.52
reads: 11.11
